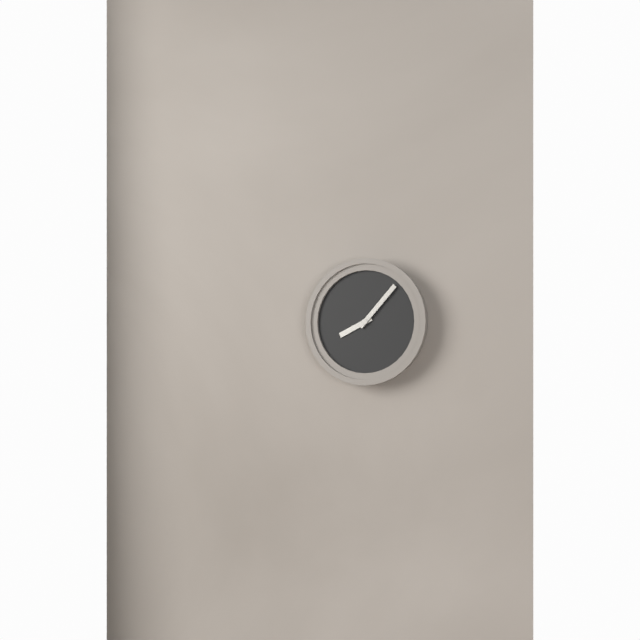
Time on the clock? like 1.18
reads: 8.07
